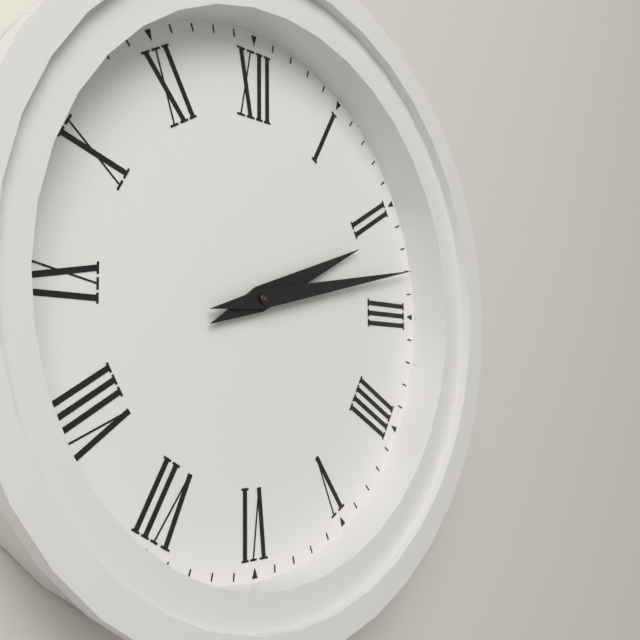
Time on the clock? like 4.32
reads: 2.13
